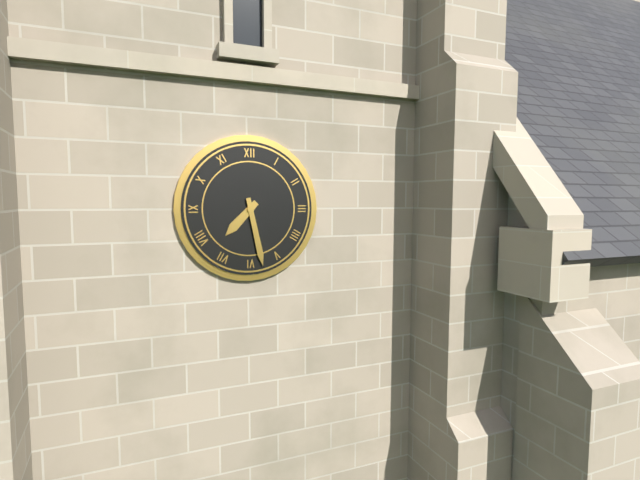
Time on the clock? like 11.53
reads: 7.28
